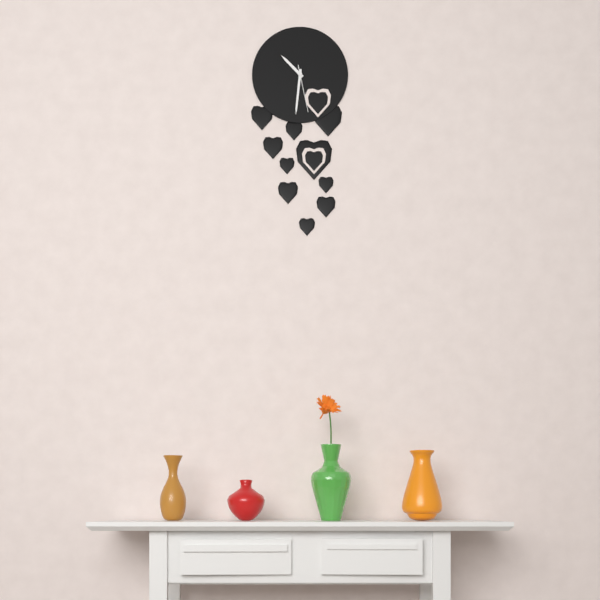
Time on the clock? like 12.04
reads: 10.31
